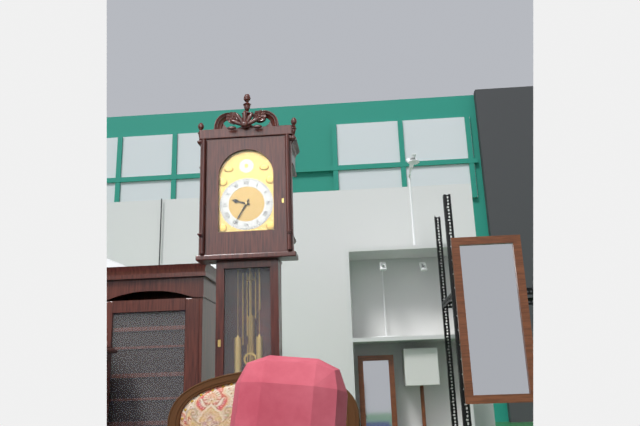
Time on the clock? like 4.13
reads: 9.35
